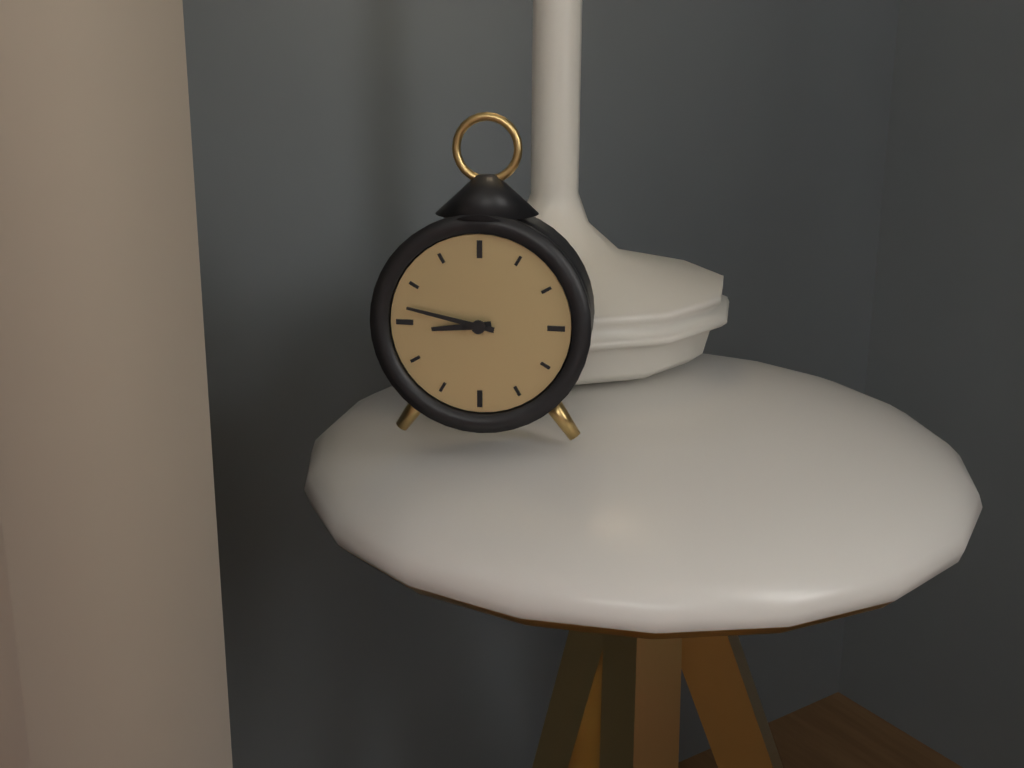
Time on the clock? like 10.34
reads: 8.47
